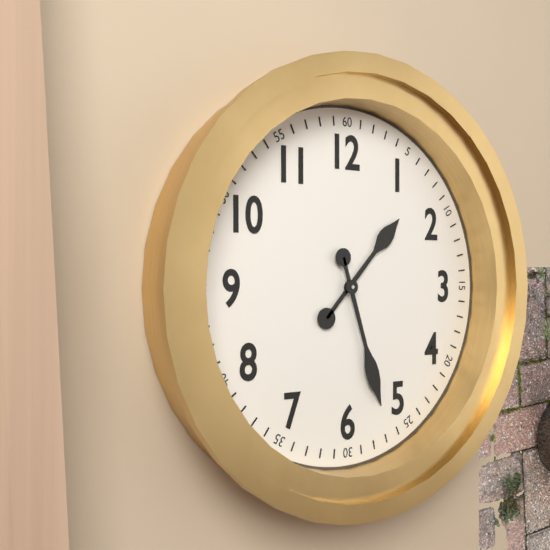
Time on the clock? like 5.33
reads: 1.27
